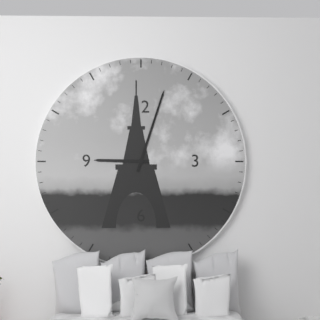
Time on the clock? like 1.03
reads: 9.03
